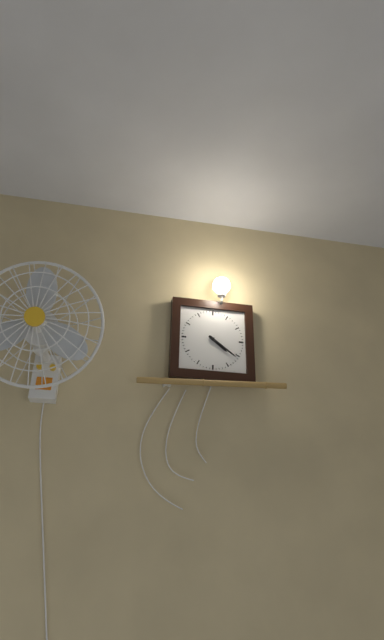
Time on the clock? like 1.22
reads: 4.21
